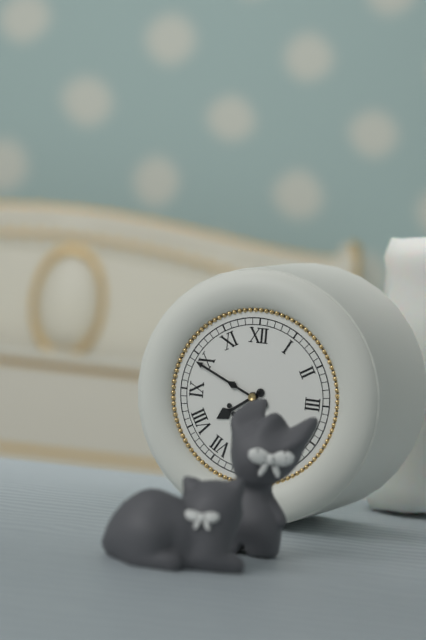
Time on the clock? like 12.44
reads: 7.49
